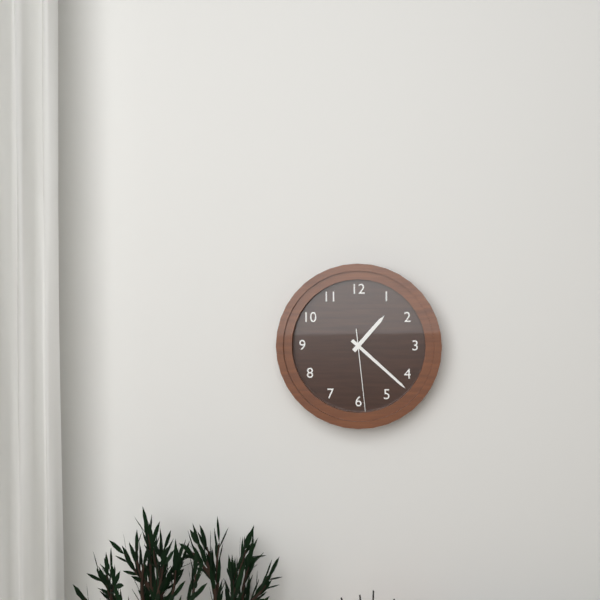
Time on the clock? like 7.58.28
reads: 1.22.29
